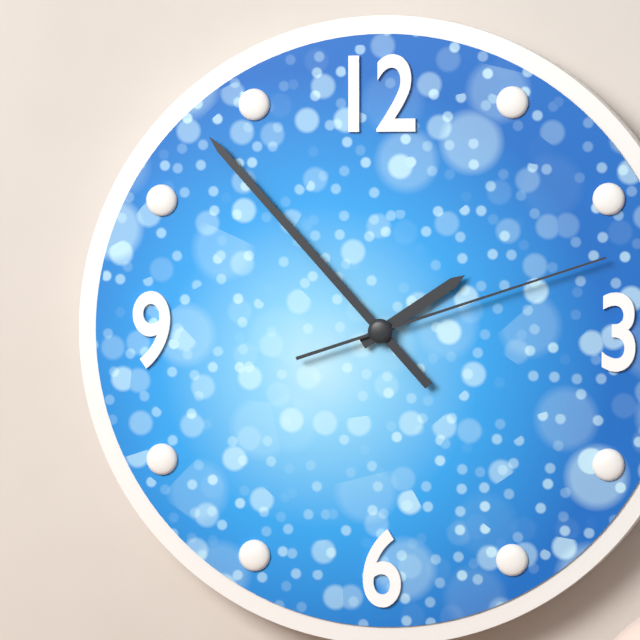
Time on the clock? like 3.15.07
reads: 1.53.12
